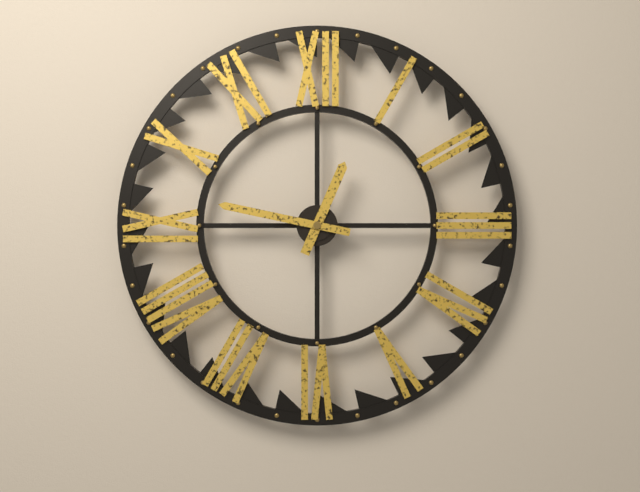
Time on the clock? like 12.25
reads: 12.47
